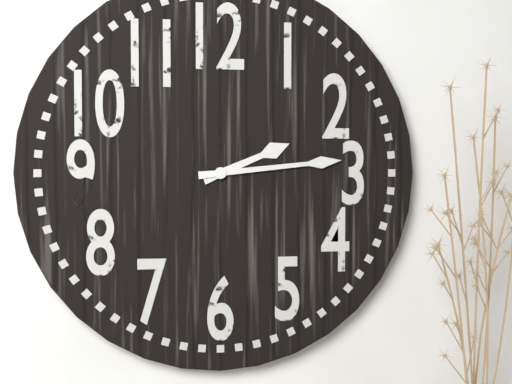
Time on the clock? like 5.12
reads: 2.14
